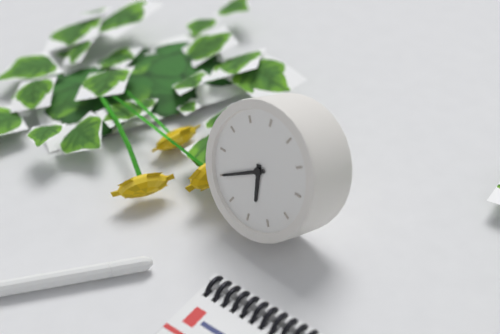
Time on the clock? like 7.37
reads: 5.40
